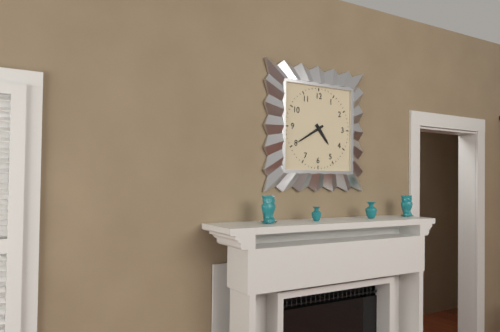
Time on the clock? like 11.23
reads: 4.40
